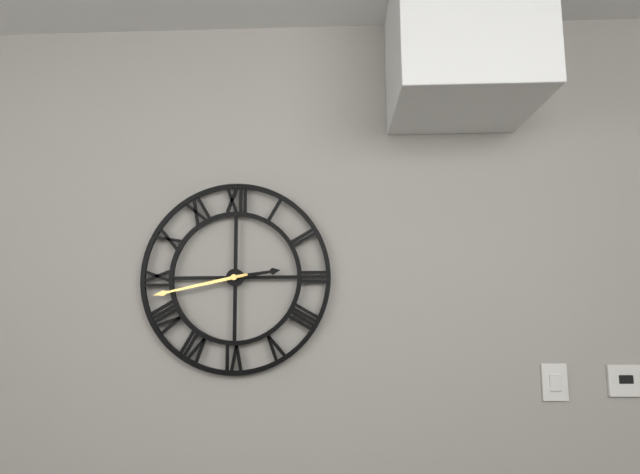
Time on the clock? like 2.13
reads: 2.43
